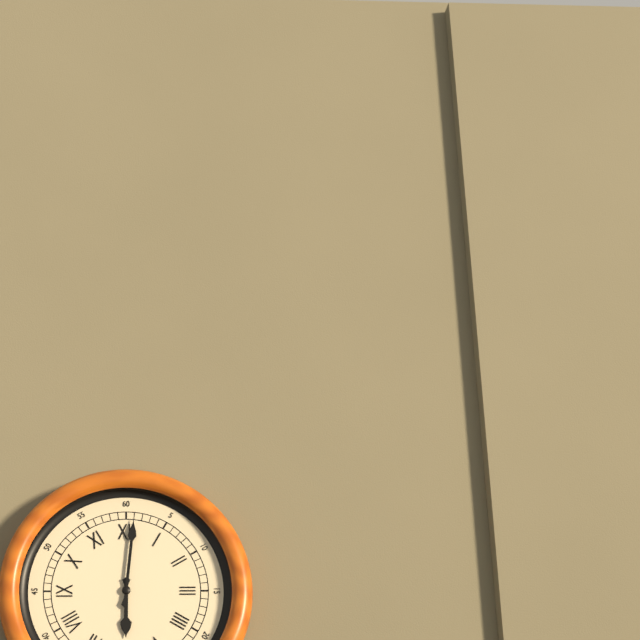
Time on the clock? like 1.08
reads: 6.01
